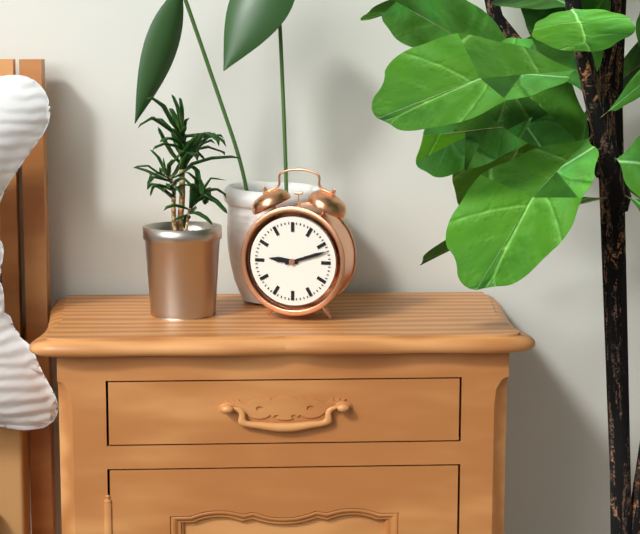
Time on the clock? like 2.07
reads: 9.12
